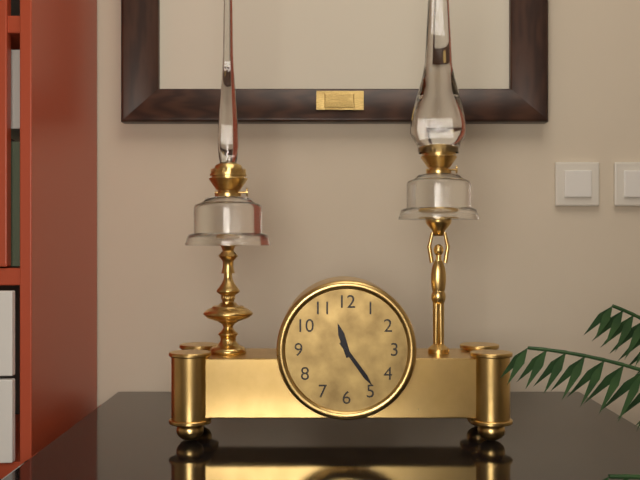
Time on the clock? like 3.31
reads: 11.24
